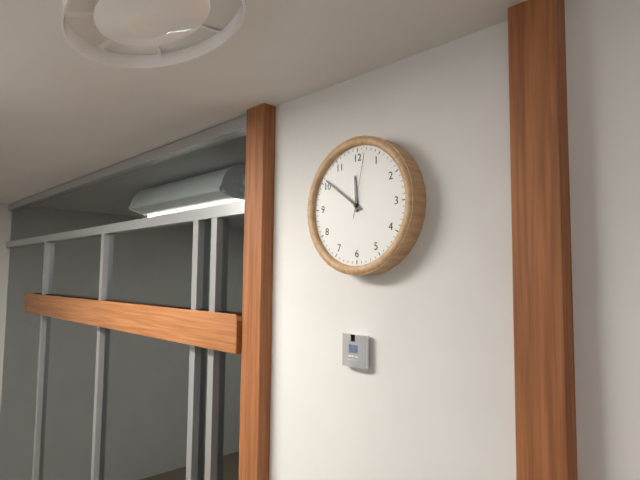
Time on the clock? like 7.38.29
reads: 11.51.02
